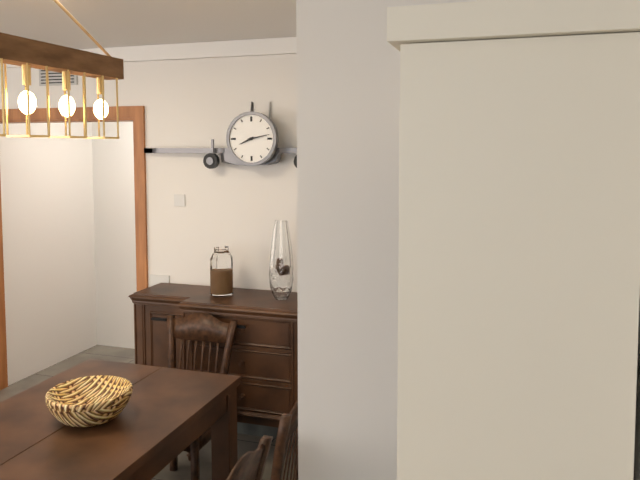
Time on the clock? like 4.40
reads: 8.13
